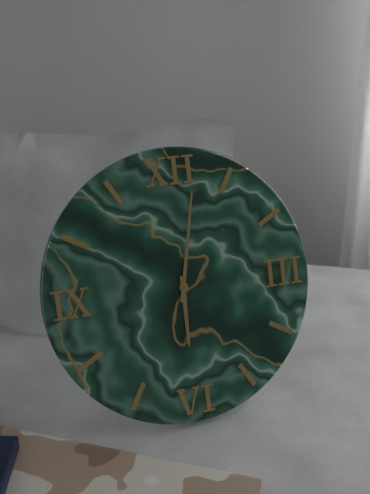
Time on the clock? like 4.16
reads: 6.02
